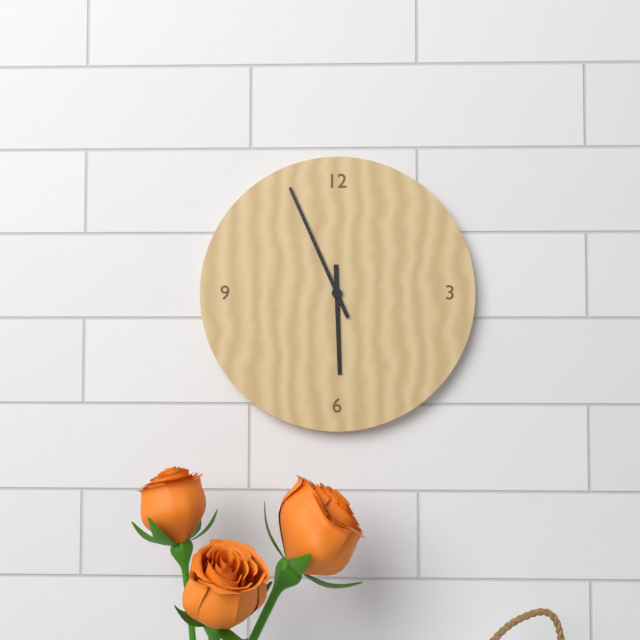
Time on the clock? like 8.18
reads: 5.56
